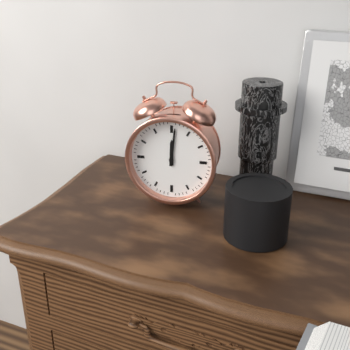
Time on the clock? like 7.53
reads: 12.01
